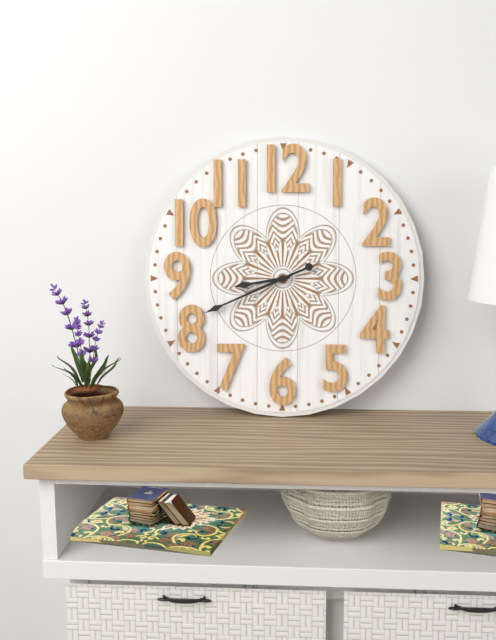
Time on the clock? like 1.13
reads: 8.41
